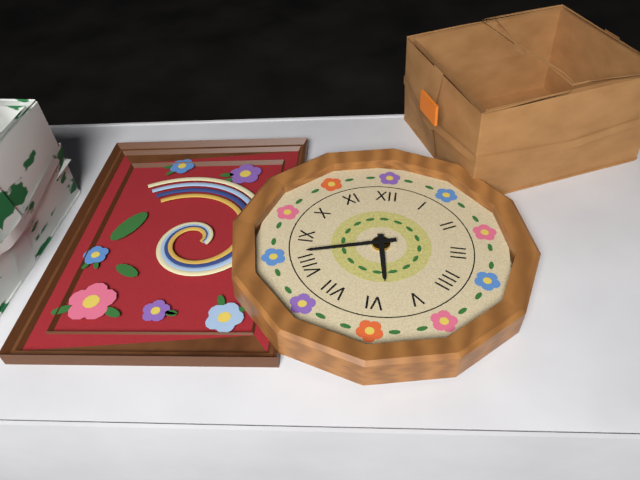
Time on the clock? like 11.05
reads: 5.42
